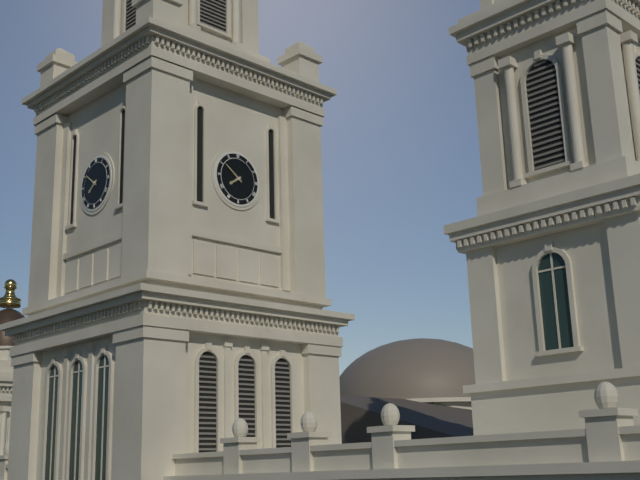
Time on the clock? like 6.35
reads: 7.51
